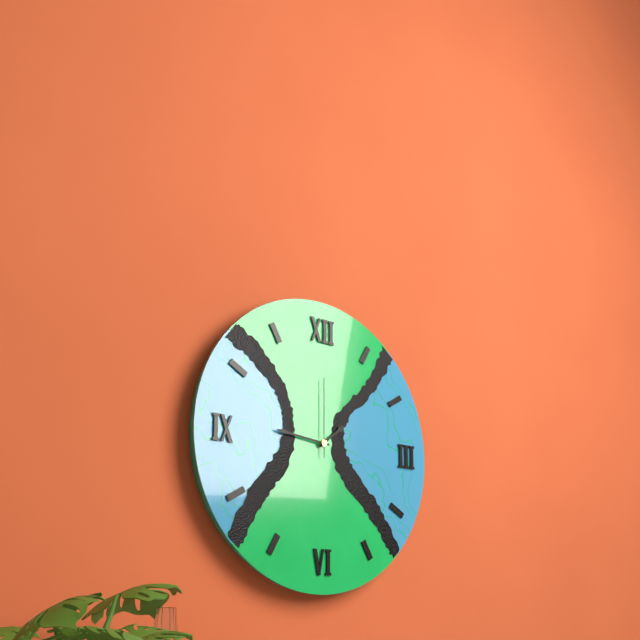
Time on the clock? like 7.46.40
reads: 1.46.00
